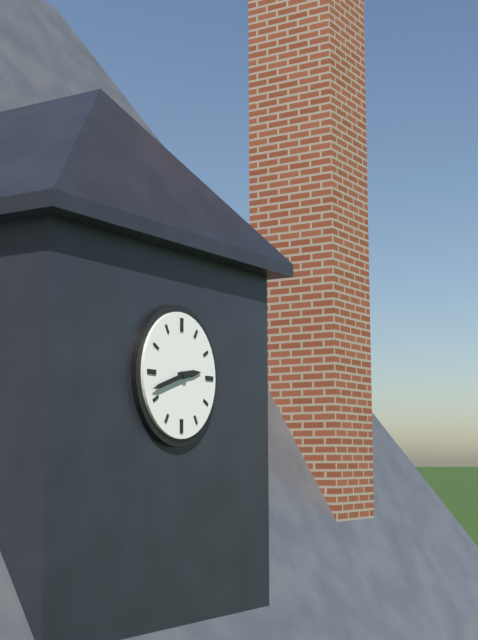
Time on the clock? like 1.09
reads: 2.42
